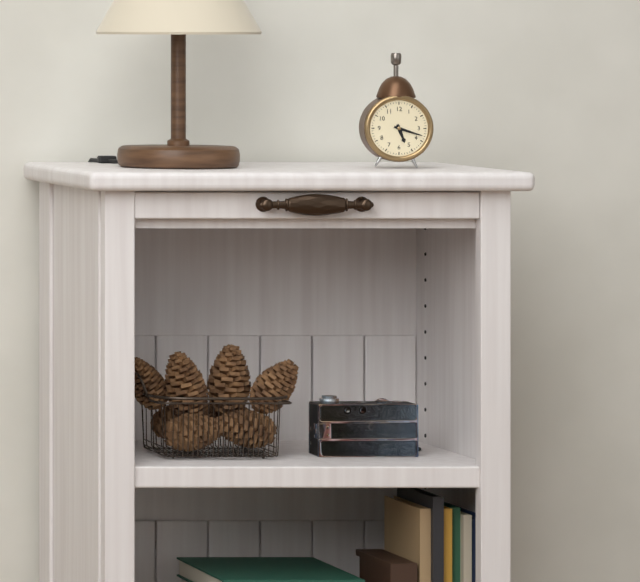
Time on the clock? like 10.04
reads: 5.18
